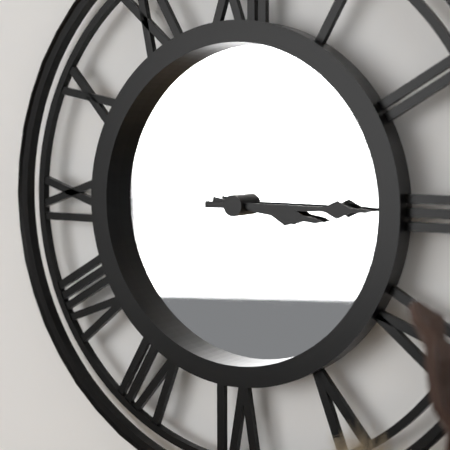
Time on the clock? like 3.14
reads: 3.15
